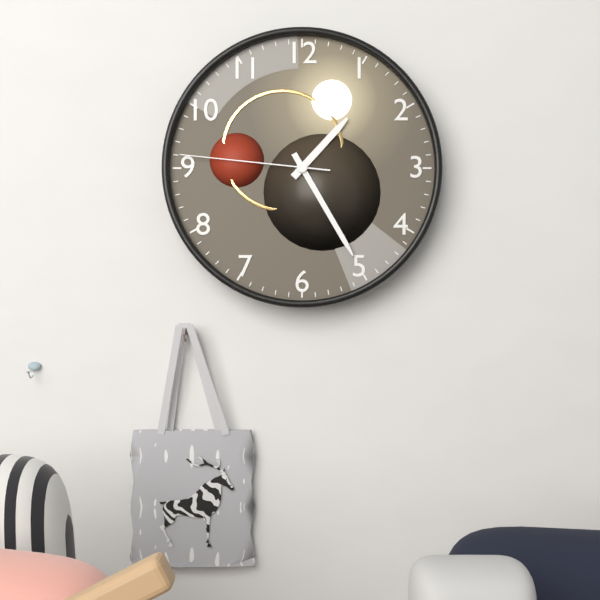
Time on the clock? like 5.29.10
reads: 1.25.46
